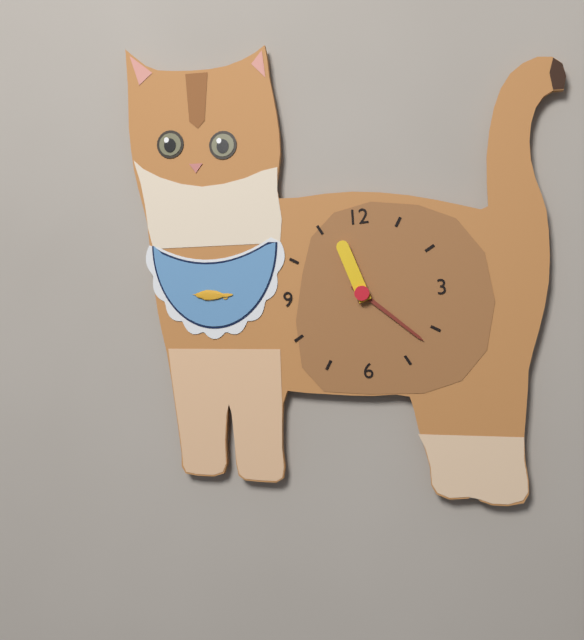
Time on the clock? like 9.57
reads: 11.22
